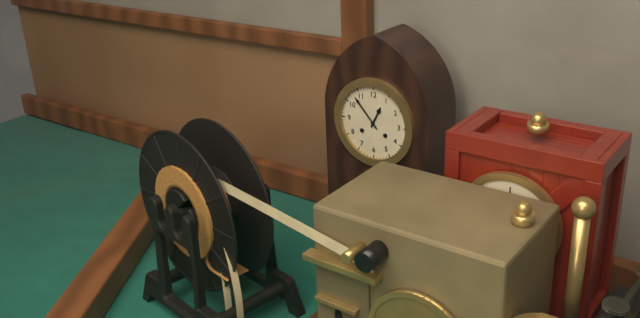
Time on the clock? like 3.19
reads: 12.53
